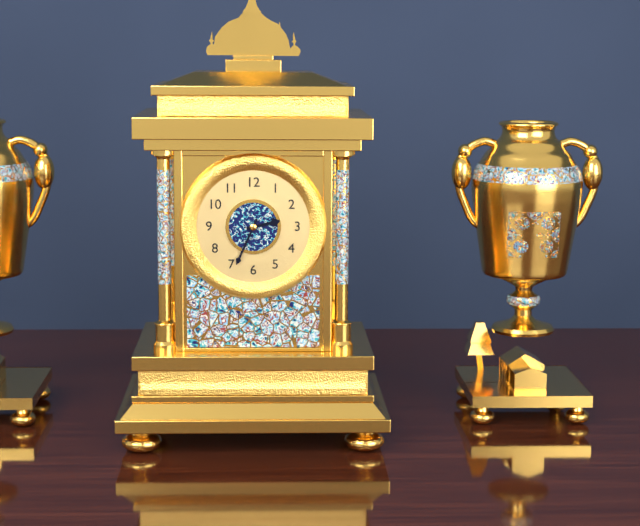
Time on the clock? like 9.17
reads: 2.34
